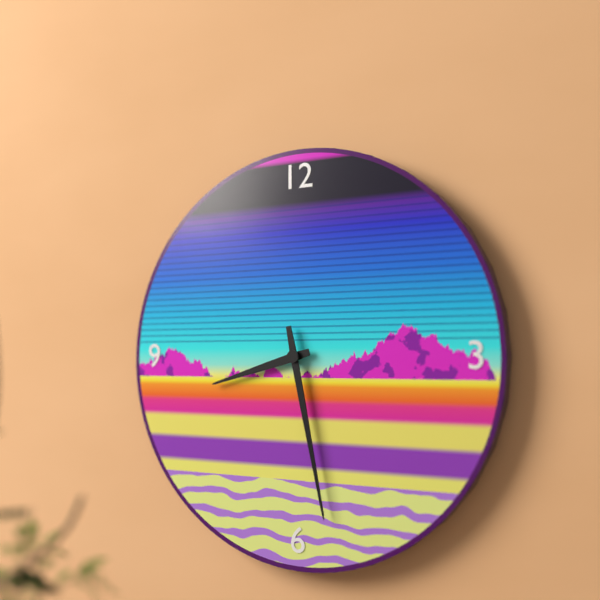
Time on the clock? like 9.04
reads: 8.28
